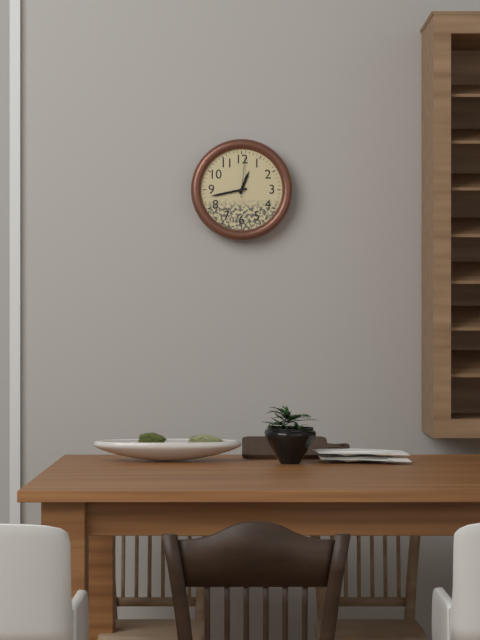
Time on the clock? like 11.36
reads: 12.43
